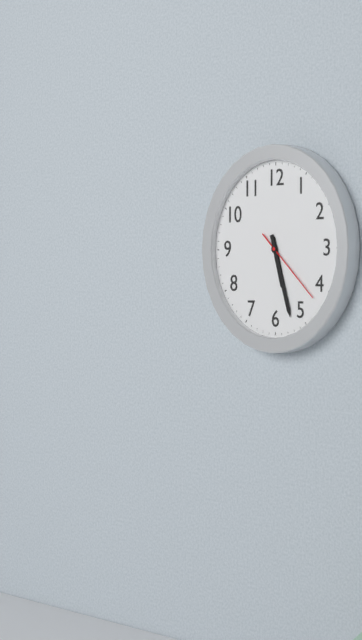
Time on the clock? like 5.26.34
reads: 5.27.22
